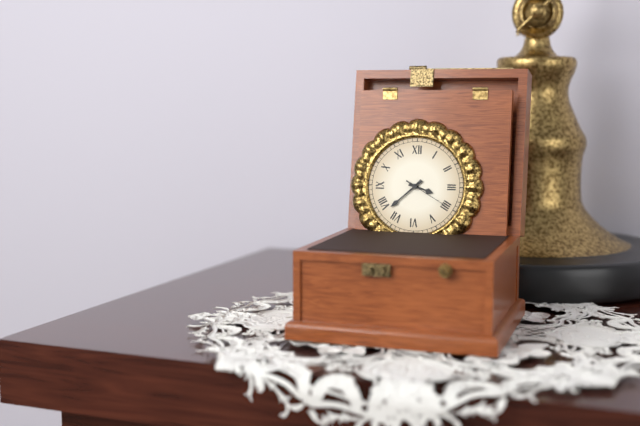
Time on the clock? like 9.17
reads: 3.38
